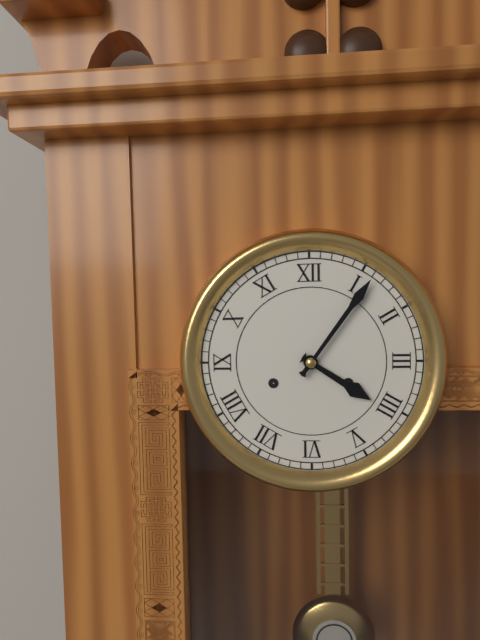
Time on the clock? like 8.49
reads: 4.06
